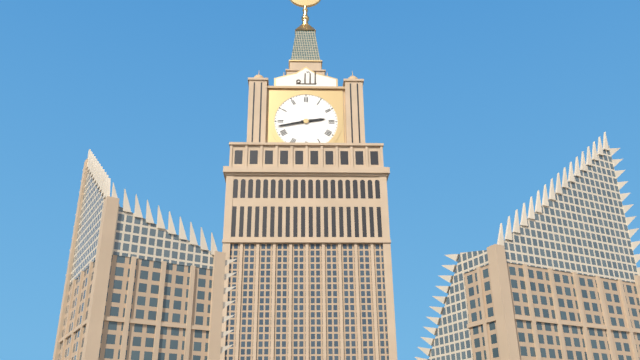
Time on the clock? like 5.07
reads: 2.43
